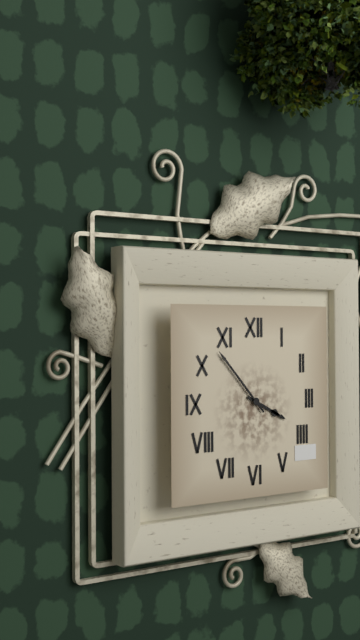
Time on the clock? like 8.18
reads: 3.53
